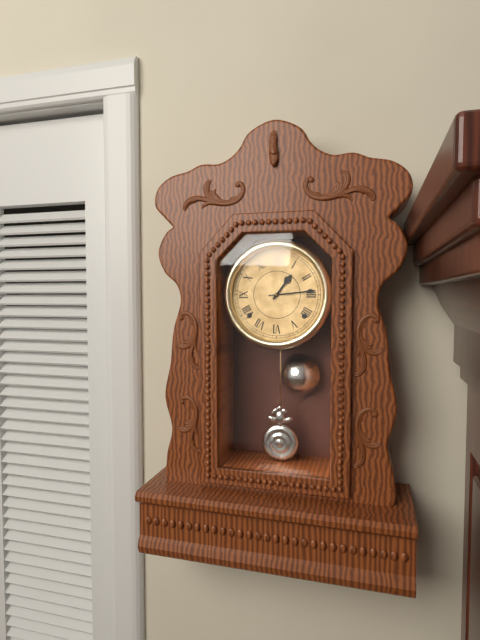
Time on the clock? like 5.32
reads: 1.14
